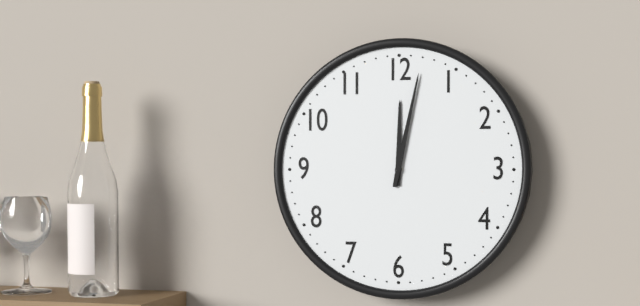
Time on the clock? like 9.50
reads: 12.02
